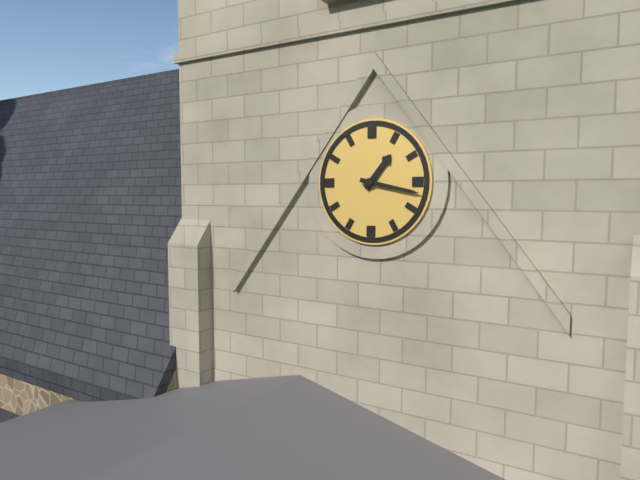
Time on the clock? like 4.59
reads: 1.17
